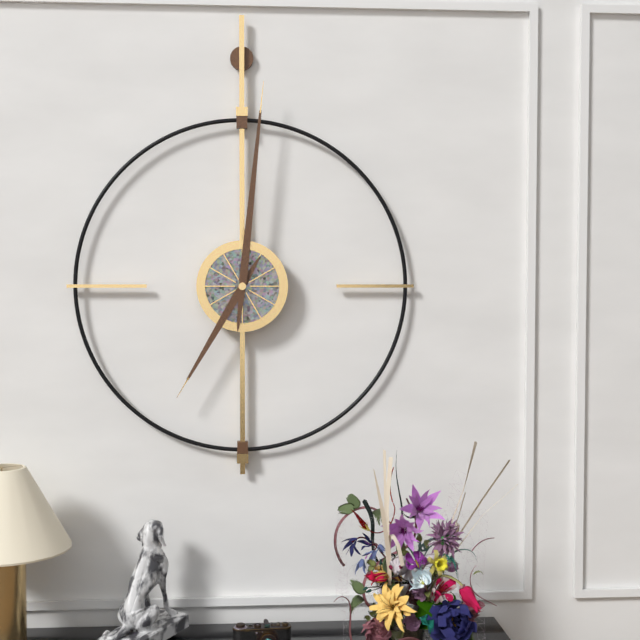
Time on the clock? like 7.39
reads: 7.01
